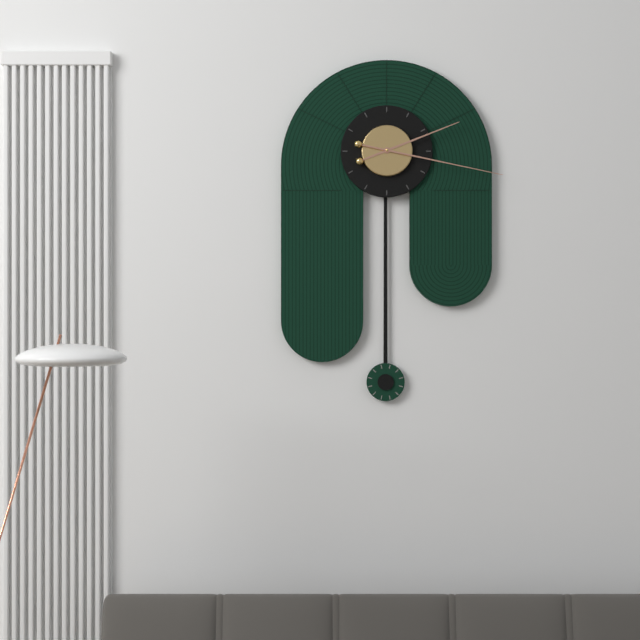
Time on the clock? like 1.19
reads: 2.17
